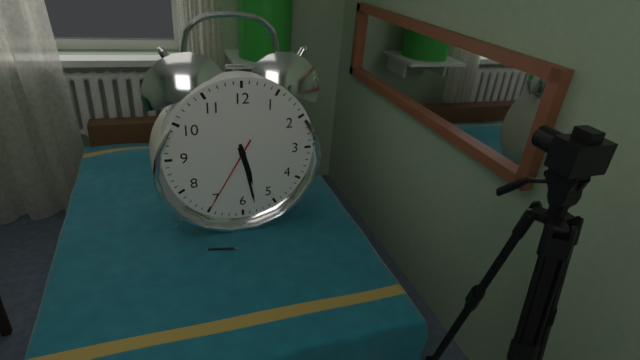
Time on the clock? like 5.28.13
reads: 5.28.35
